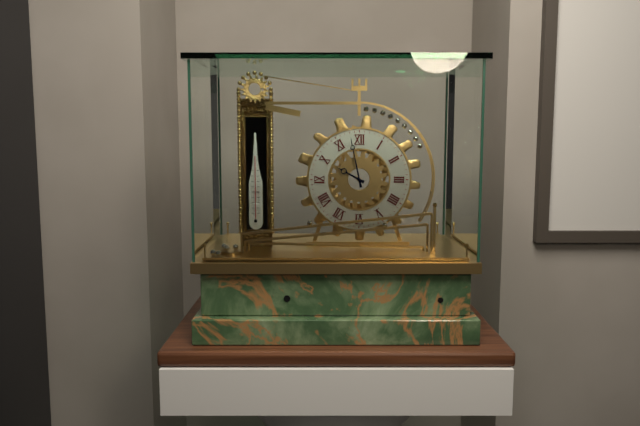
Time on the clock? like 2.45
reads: 9.58
